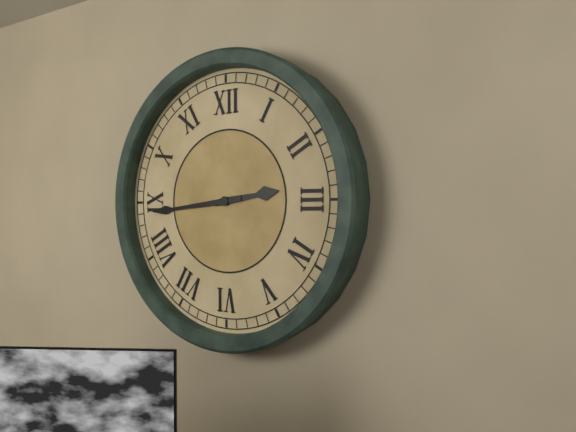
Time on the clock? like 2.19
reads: 2.44
